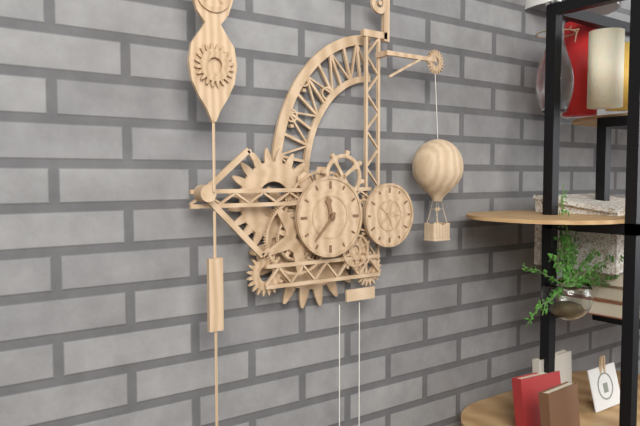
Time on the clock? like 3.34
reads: 11.37
